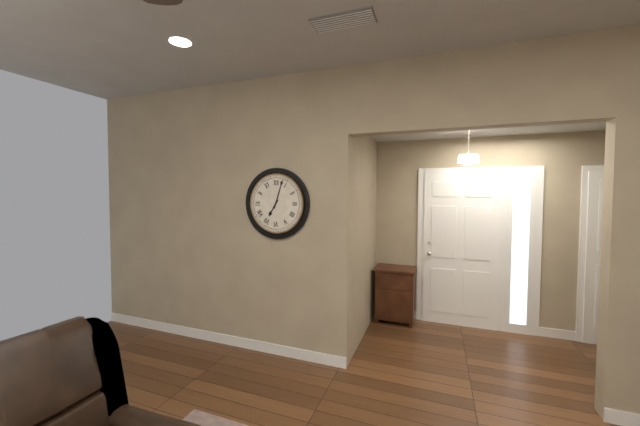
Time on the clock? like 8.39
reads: 7.03
